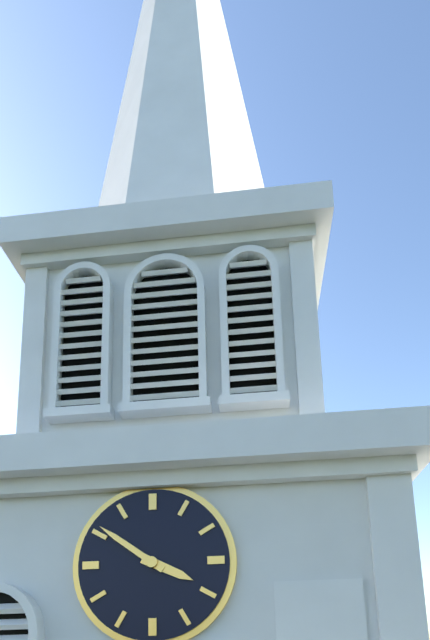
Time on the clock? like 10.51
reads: 3.51
